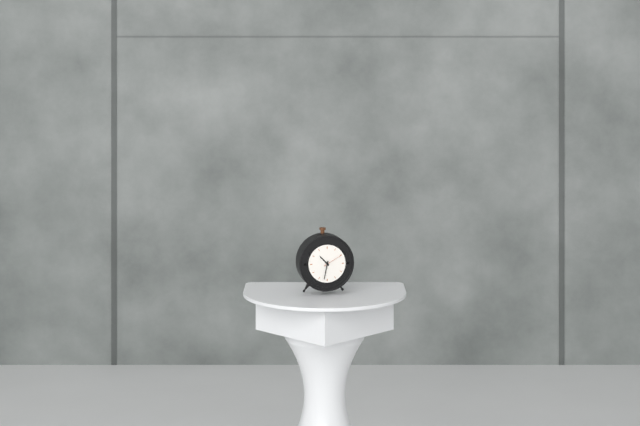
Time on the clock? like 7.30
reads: 10.32
